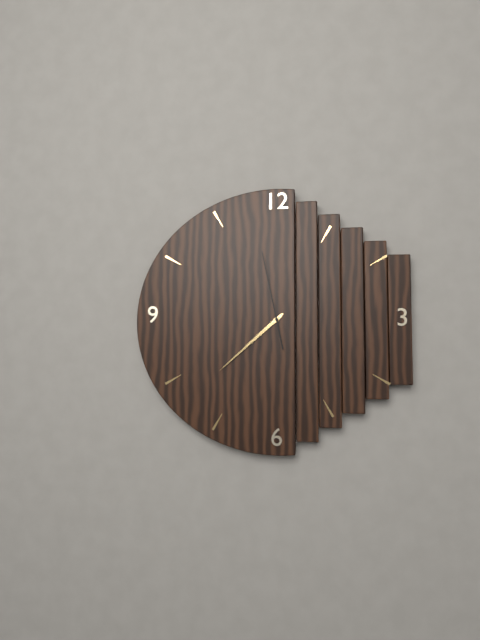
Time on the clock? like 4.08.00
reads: 7.38.58
